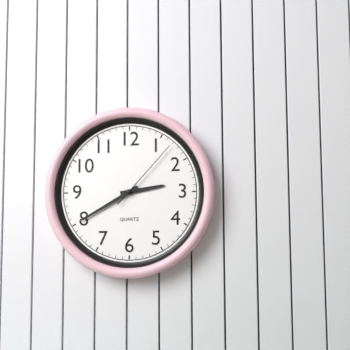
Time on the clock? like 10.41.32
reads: 2.40.07
